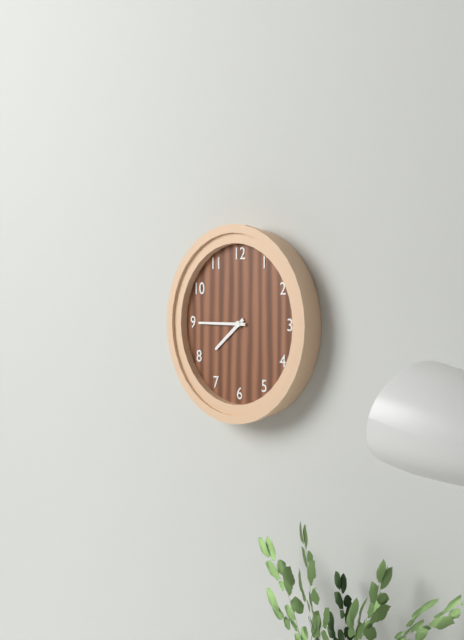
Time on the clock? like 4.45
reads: 7.45
